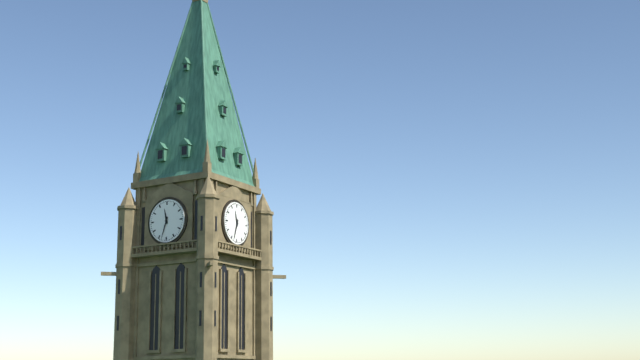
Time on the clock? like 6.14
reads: 11.33
